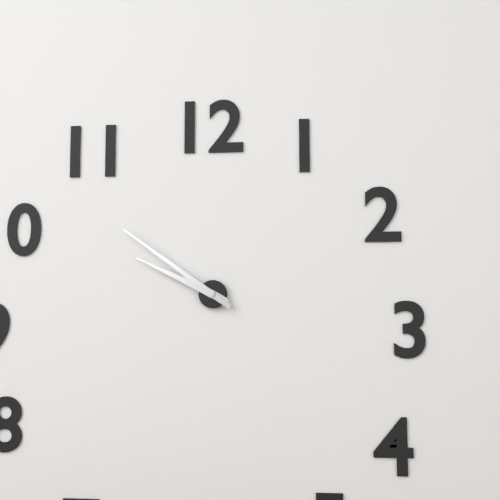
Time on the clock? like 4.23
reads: 9.51
